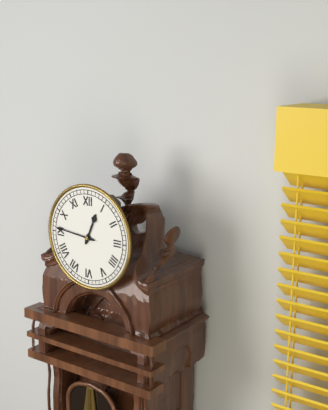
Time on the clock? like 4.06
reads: 12.46
